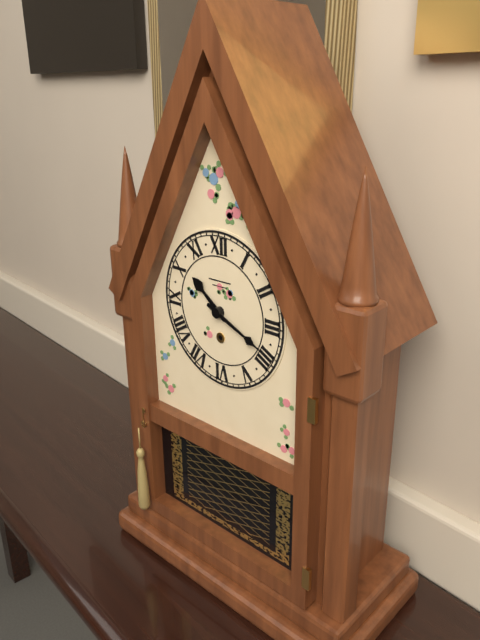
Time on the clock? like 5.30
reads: 10.19
